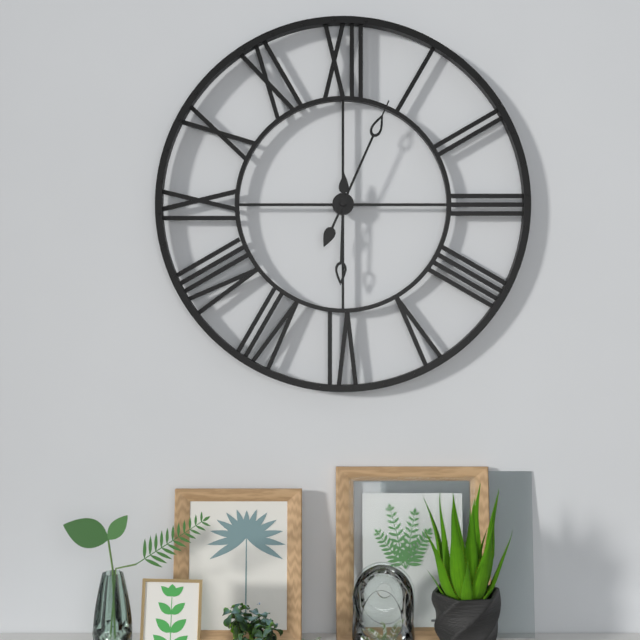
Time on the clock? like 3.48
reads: 6.04
